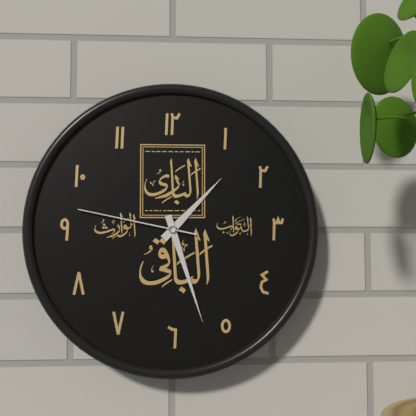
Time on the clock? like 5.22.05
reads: 1.27.47
